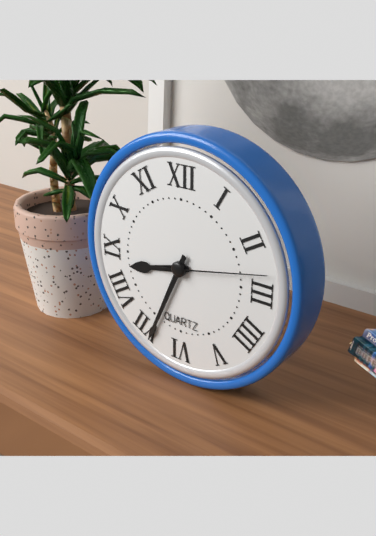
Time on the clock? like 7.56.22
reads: 8.34.13
